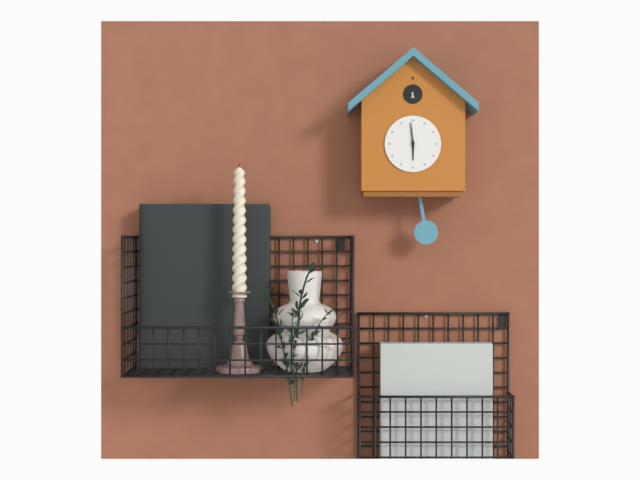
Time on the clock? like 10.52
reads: 5.59
